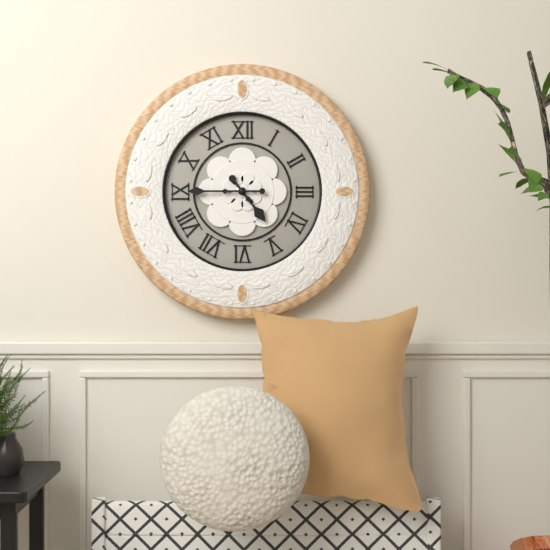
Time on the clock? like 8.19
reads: 4.45
